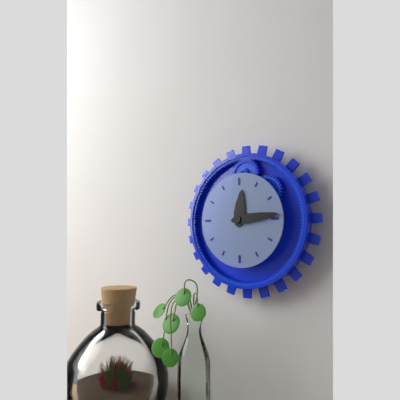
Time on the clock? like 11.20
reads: 12.14
